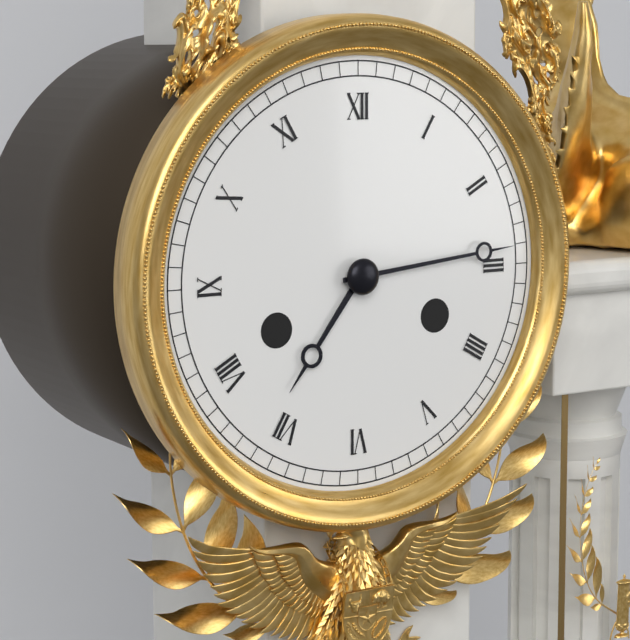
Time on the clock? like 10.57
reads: 7.14
